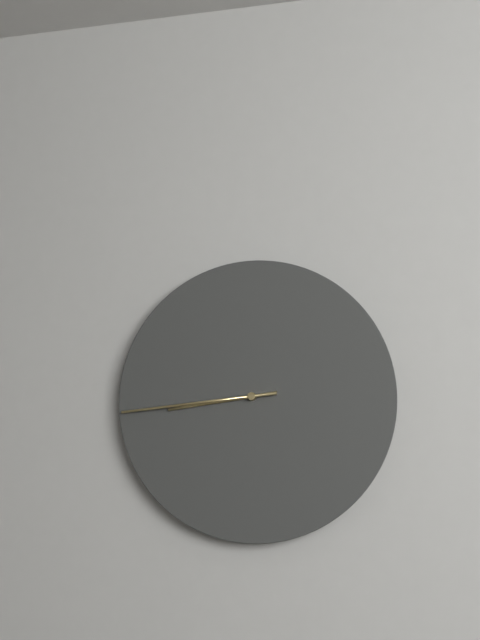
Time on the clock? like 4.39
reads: 8.44
